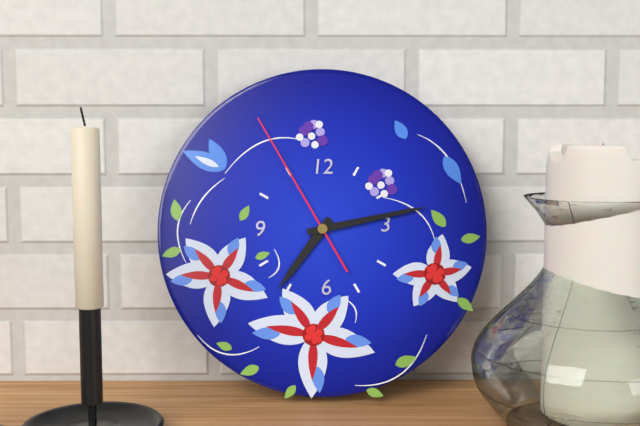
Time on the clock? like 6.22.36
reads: 7.13.55
